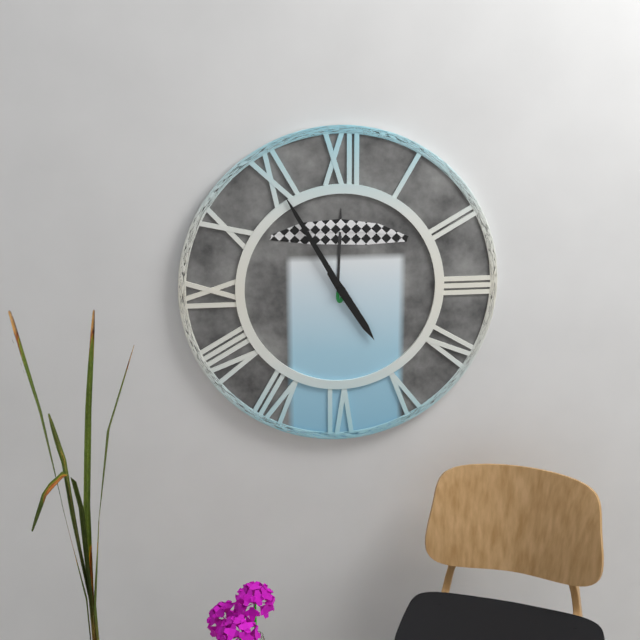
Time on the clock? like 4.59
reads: 4.55
